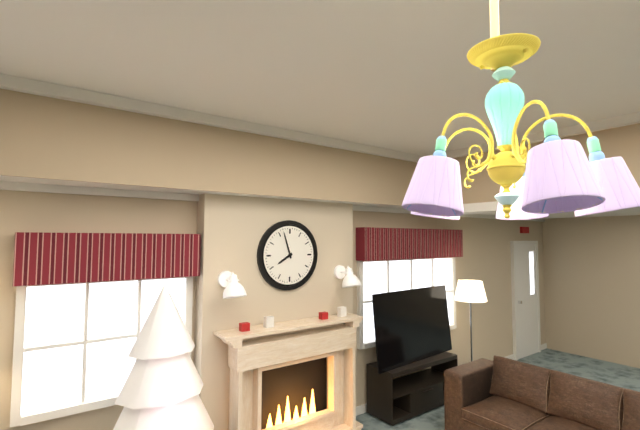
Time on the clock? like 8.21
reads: 7.57
